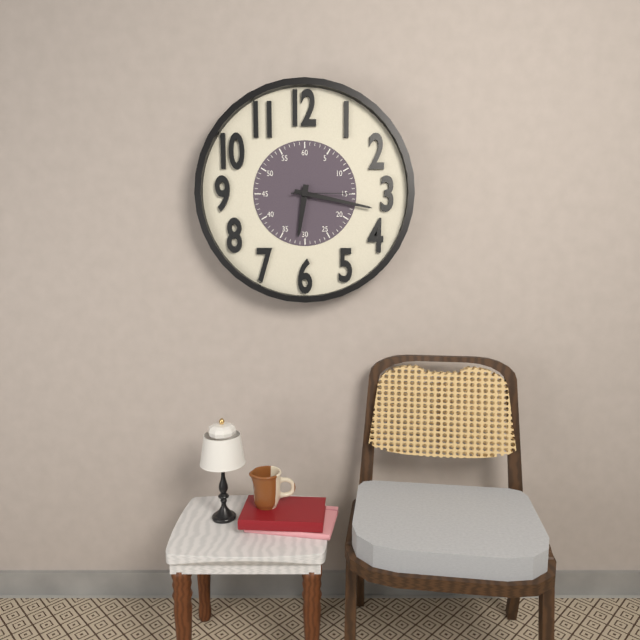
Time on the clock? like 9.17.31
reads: 6.17.15
